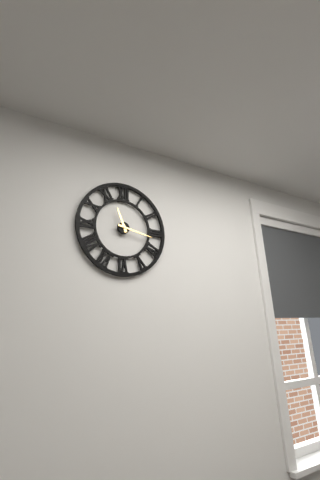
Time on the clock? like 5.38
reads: 11.17
